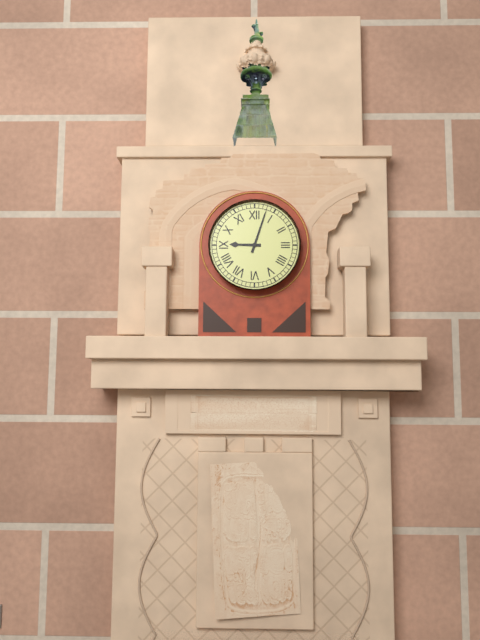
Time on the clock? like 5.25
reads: 9.03
